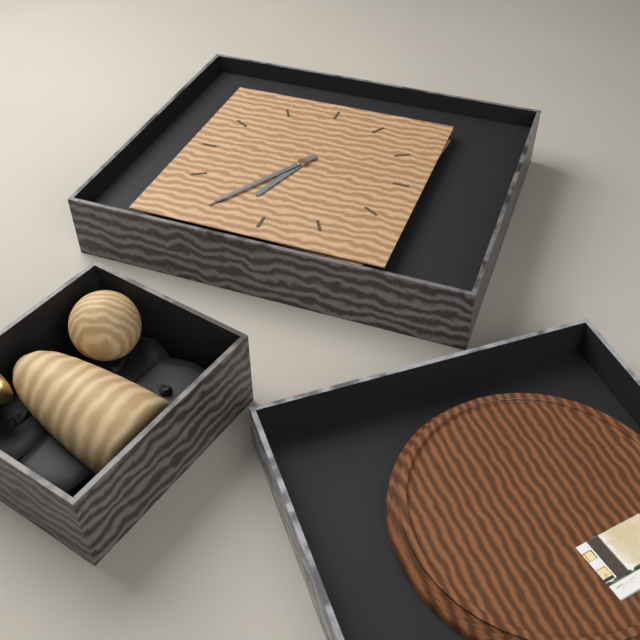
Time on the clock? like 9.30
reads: 6.35
